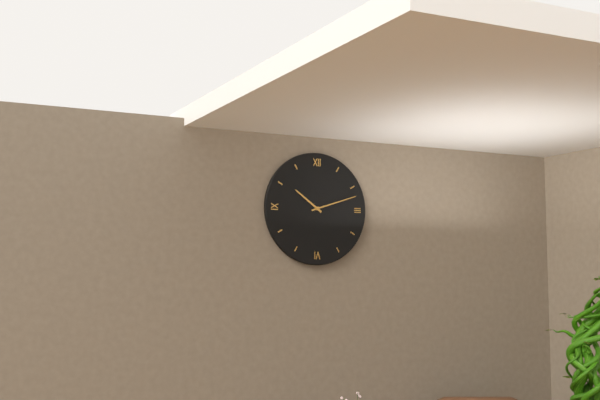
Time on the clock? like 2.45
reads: 10.12
